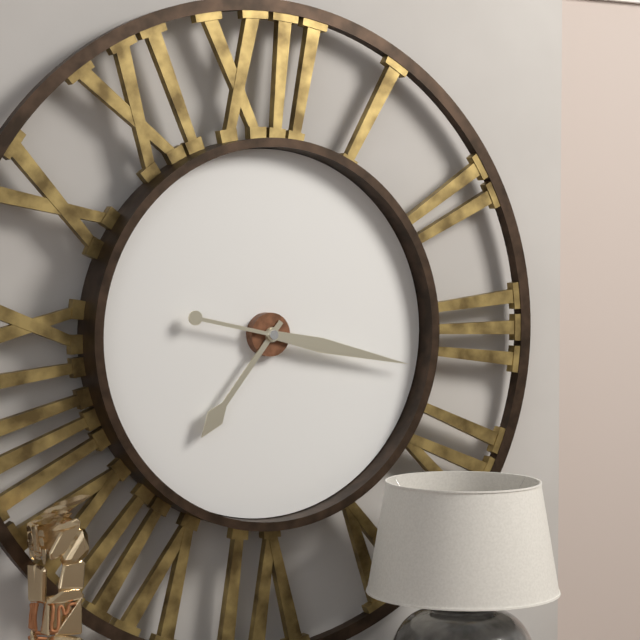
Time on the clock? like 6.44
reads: 7.17
